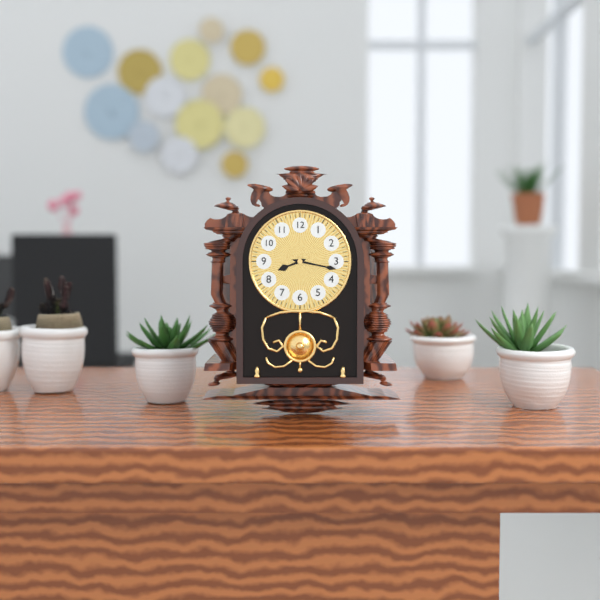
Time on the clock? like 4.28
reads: 8.17
